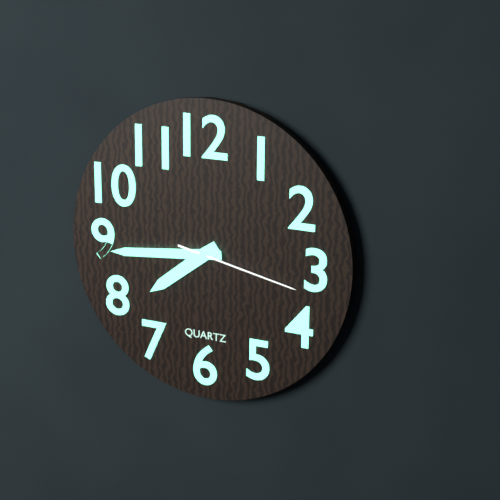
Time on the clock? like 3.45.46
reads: 7.44.17
